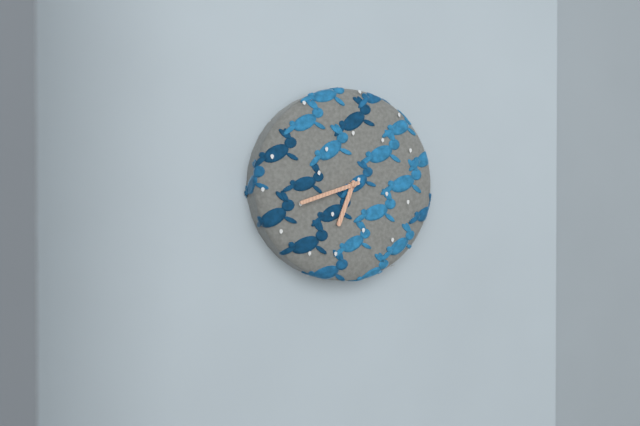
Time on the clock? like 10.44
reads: 6.42
